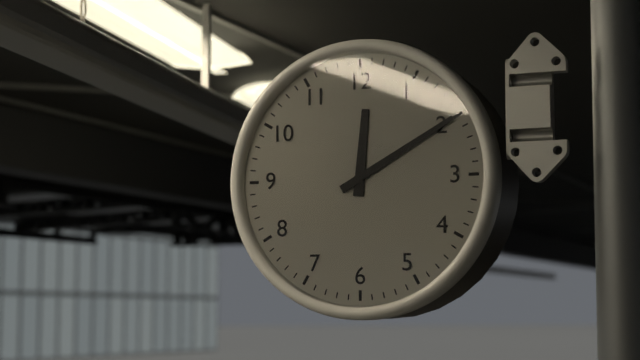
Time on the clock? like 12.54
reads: 12.10
